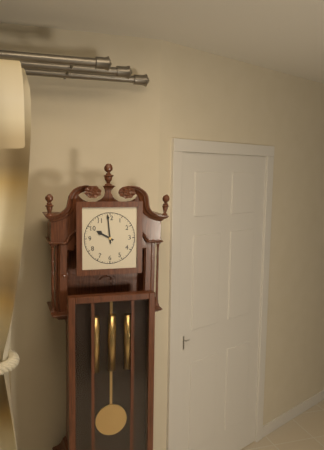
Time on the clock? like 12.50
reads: 9.59
